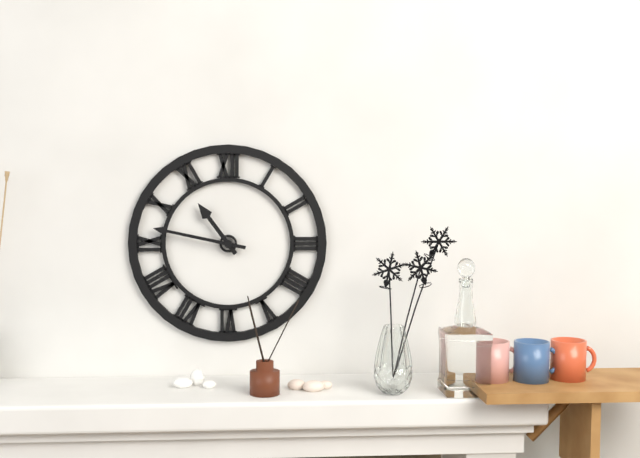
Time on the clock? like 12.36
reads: 10.47
